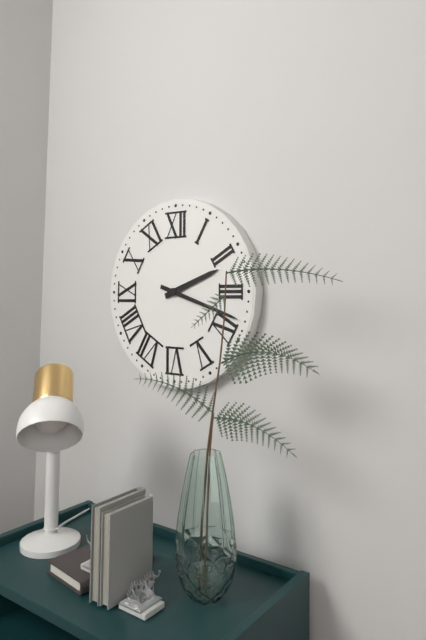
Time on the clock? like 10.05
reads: 2.18
